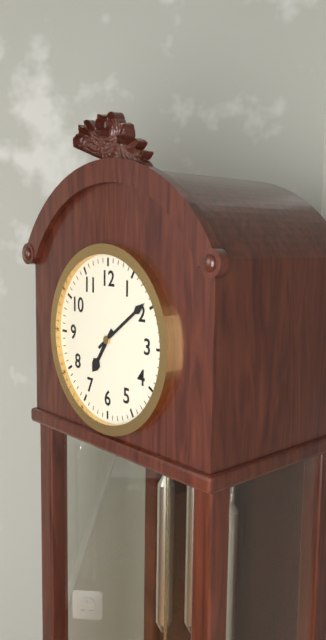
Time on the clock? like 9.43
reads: 7.09
